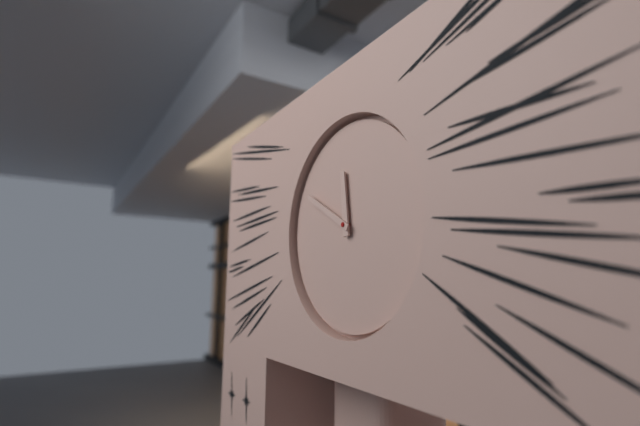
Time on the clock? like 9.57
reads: 11.50
